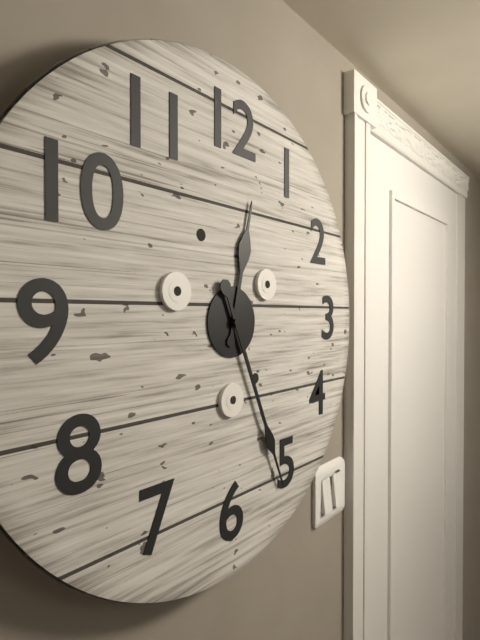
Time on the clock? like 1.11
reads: 12.26
